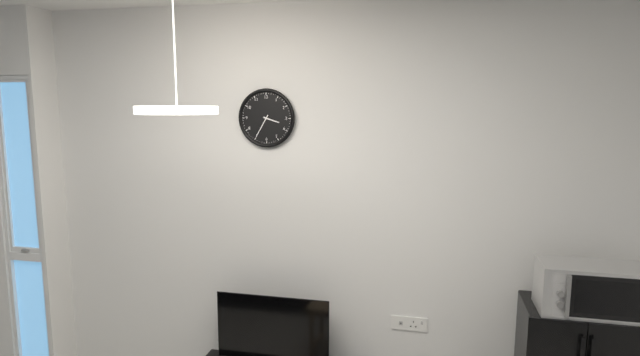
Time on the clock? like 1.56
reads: 3.35
